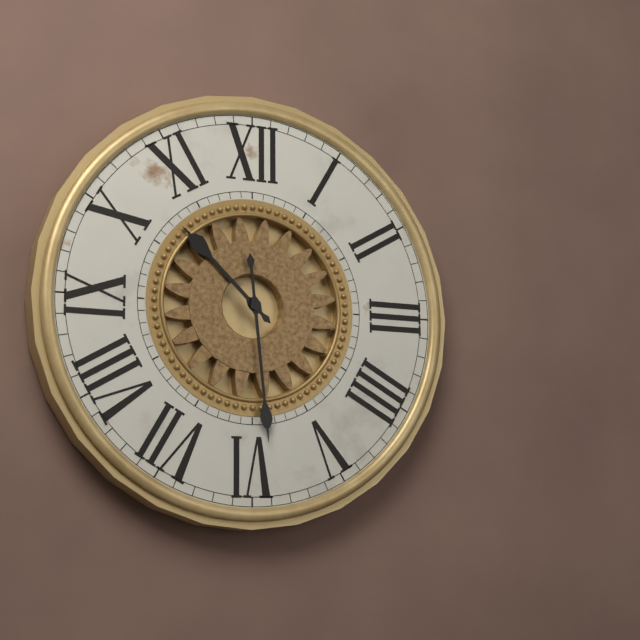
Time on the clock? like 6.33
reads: 10.29
